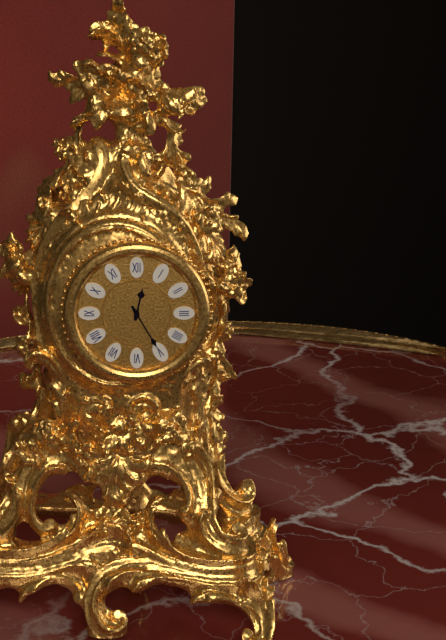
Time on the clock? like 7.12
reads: 12.25
